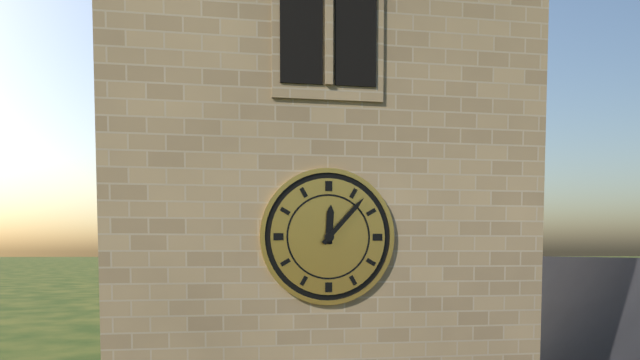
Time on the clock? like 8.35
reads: 12.07
